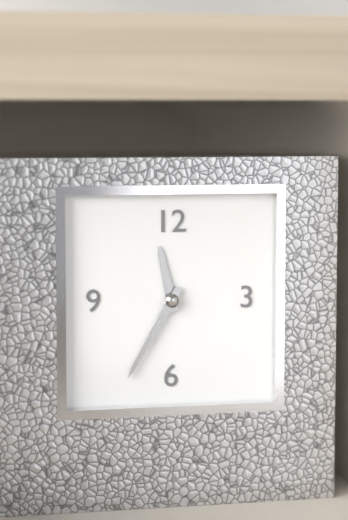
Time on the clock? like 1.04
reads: 11.35
